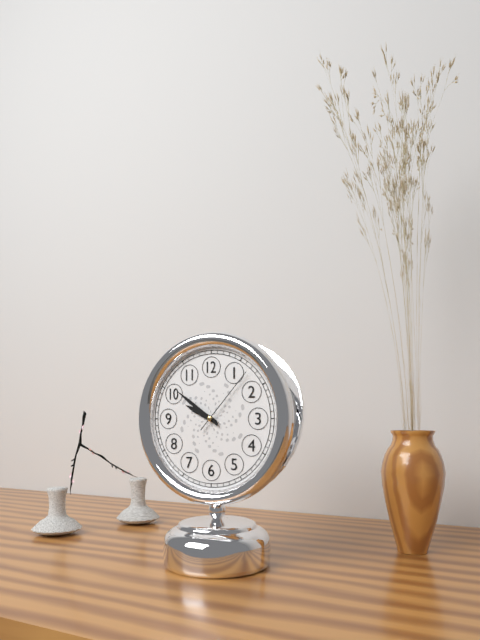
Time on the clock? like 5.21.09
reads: 9.51.07
